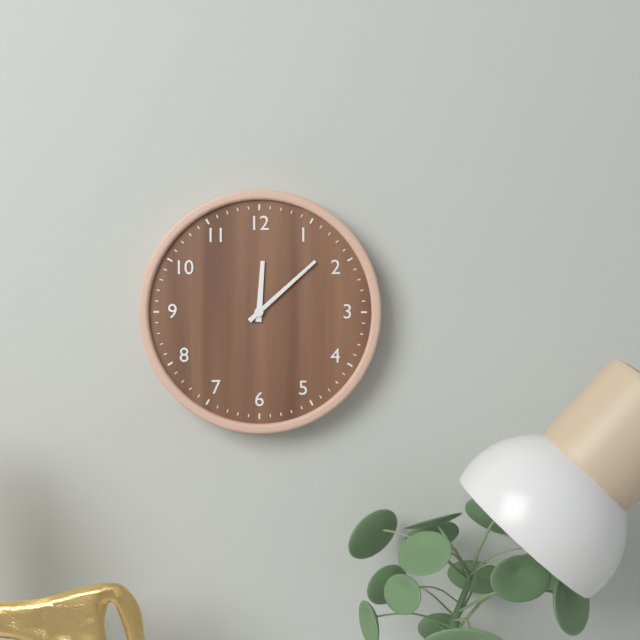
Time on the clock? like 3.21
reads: 12.08
